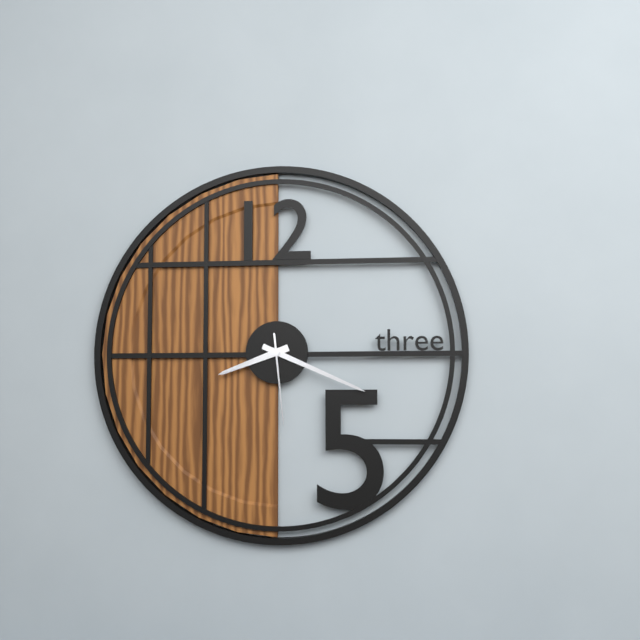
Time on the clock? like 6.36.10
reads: 8.19.29
